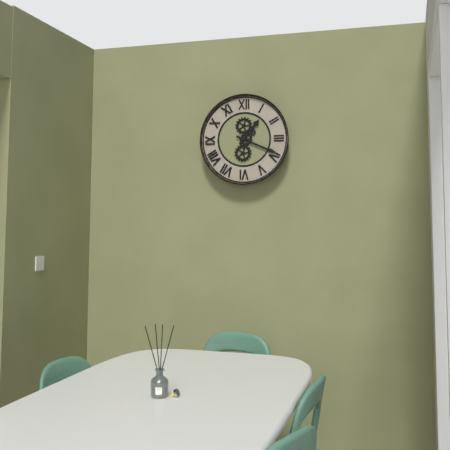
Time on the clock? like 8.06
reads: 1.19
